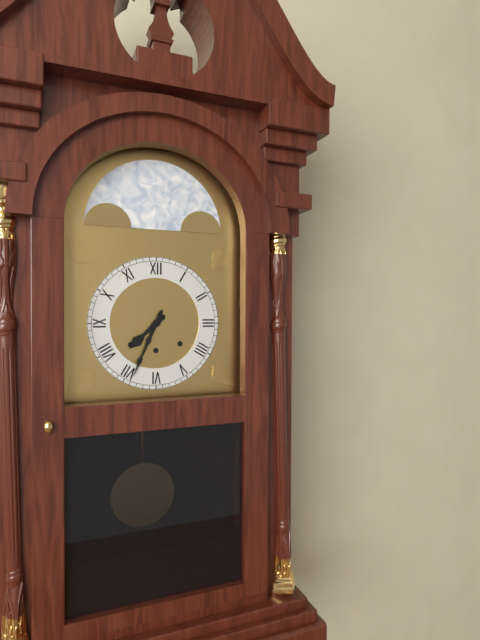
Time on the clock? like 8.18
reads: 7.34
